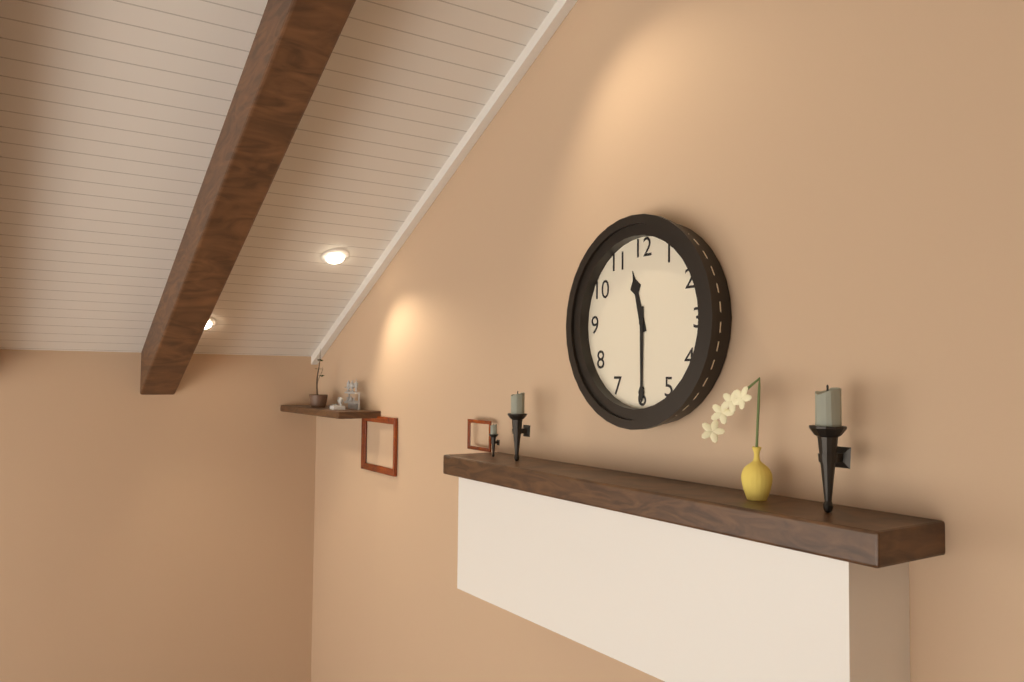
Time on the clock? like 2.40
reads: 11.30
